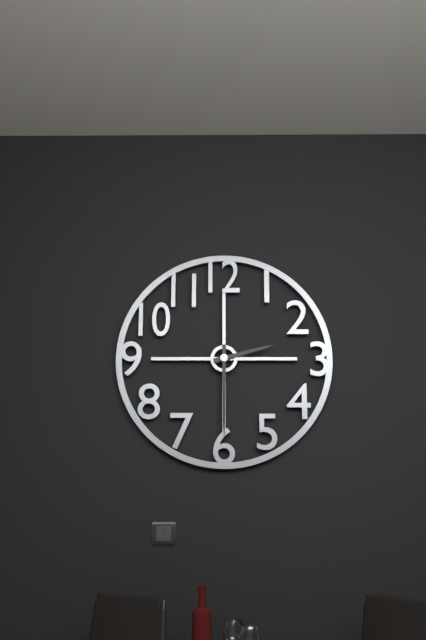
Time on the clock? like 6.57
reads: 2.30
